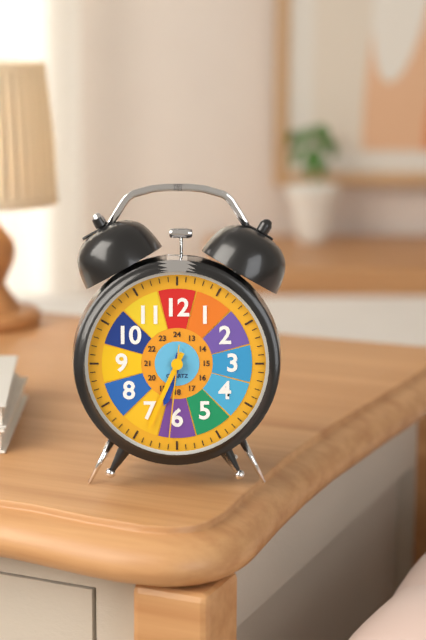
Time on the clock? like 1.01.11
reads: 6.34.31
